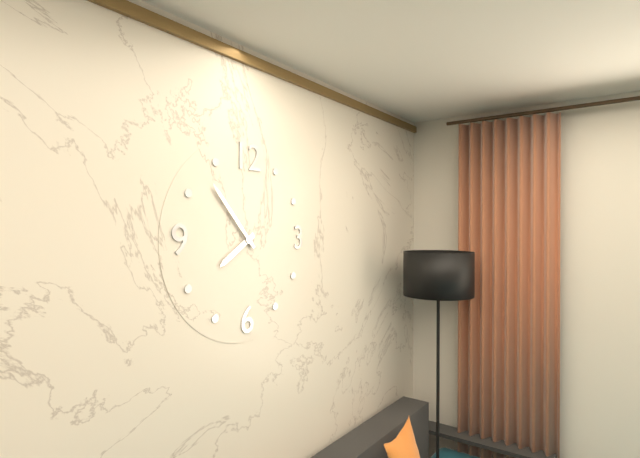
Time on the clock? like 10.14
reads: 7.53
